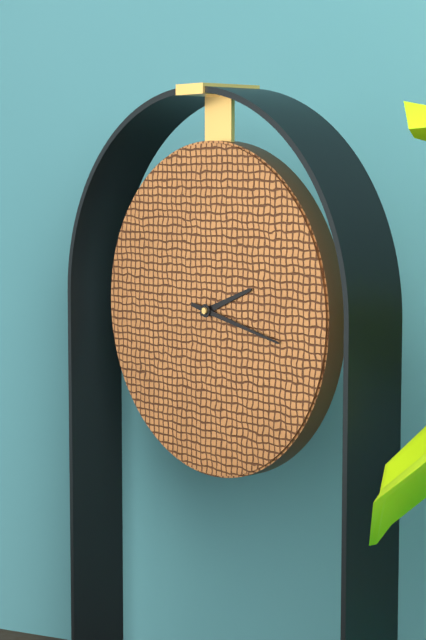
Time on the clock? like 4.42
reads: 2.17
